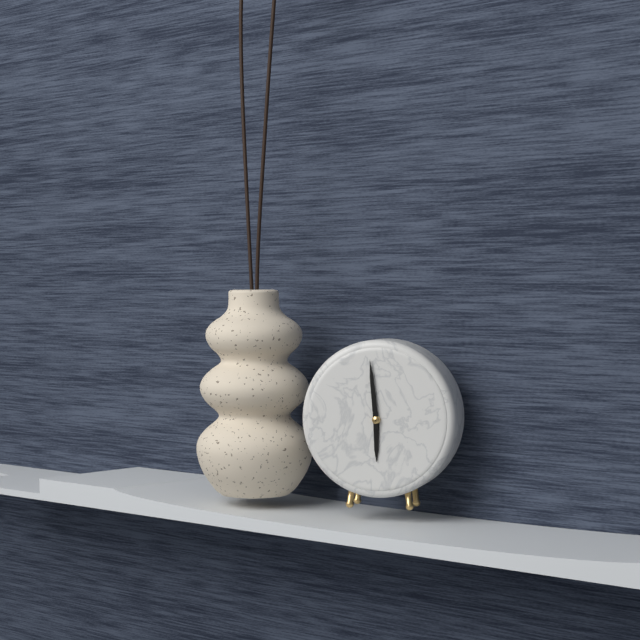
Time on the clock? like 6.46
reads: 5.59
